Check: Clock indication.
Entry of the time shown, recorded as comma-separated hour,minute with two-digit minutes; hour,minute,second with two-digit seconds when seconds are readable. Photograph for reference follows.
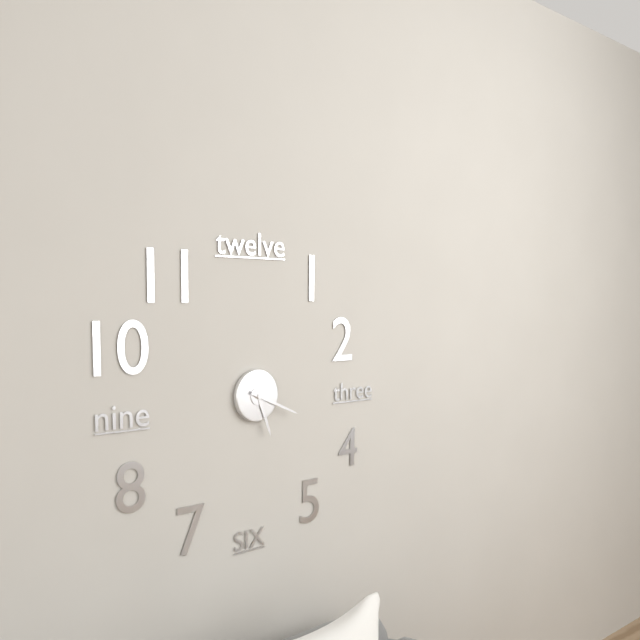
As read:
5,19
